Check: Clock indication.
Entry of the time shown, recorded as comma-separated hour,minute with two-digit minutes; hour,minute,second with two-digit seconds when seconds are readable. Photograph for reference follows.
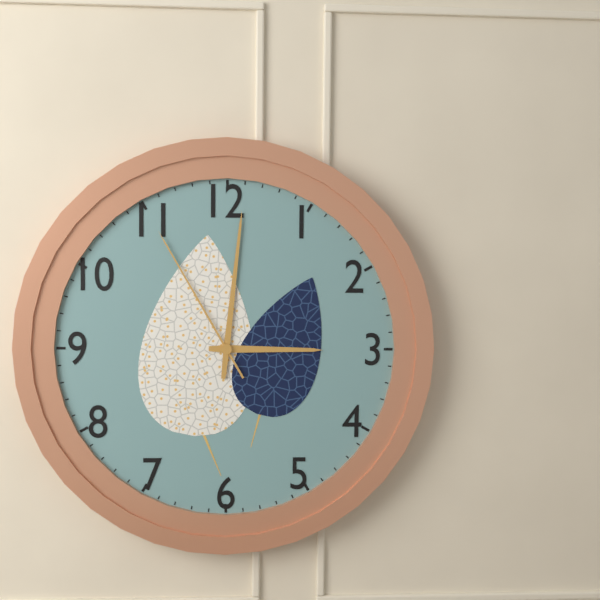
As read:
3,01,55
